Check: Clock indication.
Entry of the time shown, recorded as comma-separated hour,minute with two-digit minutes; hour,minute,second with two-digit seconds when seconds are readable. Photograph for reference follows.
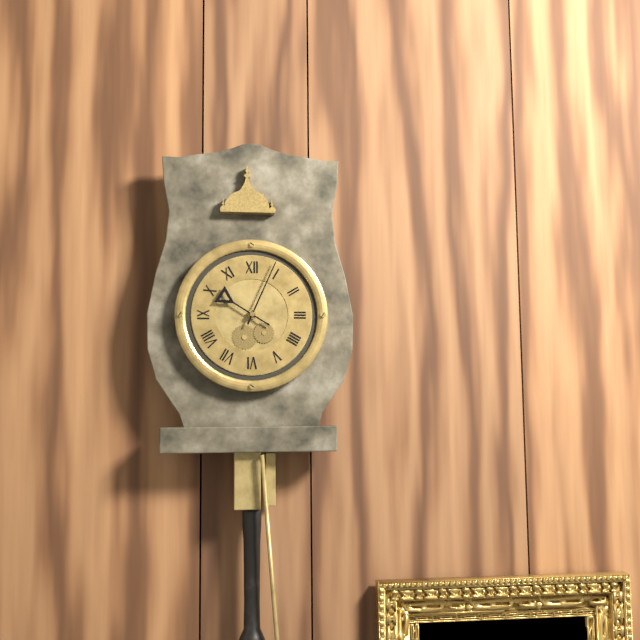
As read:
10,04
